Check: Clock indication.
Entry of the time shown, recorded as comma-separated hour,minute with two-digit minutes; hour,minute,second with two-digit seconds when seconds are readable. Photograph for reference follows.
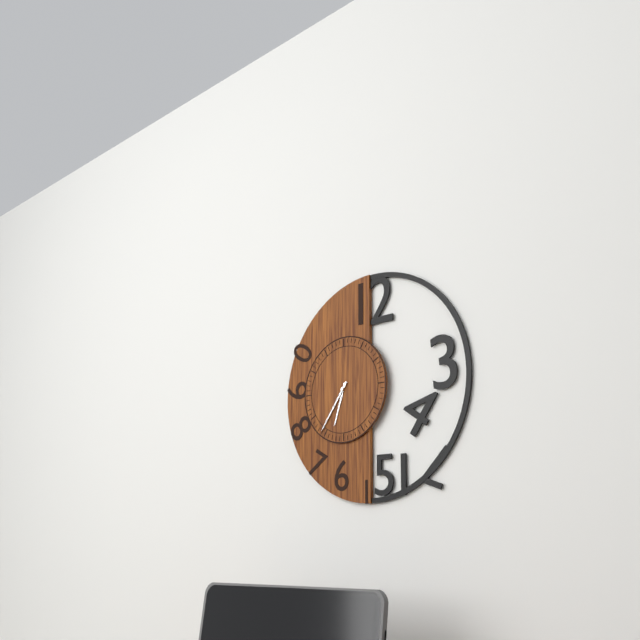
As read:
6,36
